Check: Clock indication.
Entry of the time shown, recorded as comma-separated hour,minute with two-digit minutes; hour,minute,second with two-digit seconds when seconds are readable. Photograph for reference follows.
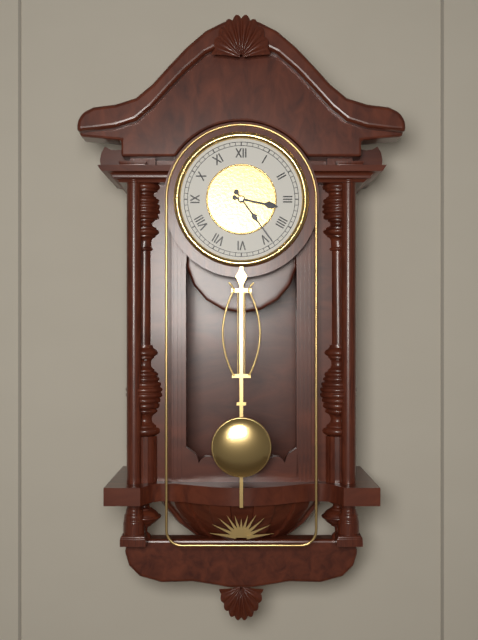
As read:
3,24
